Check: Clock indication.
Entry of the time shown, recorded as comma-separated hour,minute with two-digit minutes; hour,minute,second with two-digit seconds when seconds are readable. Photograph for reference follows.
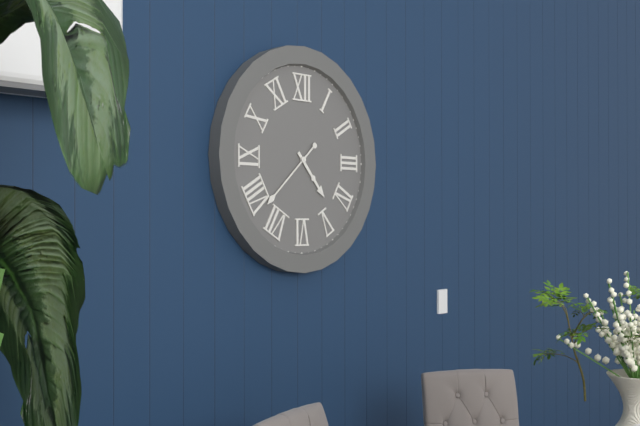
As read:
4,38
